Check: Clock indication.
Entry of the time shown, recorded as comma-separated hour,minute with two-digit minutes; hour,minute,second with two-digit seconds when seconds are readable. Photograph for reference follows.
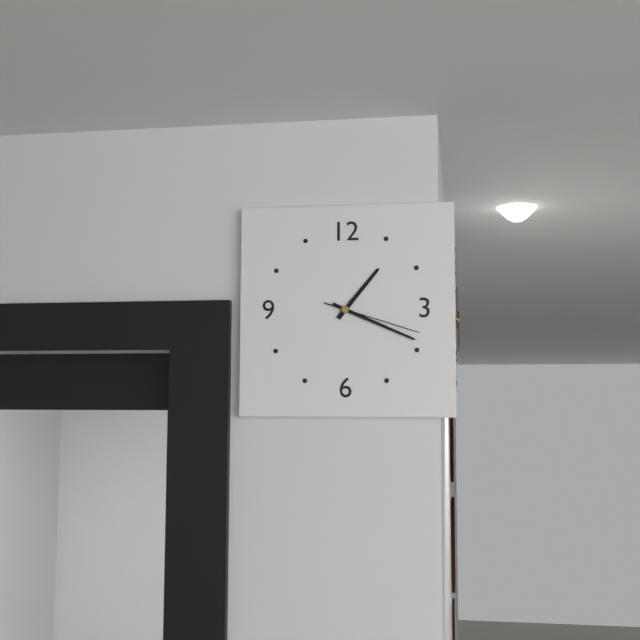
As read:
1,19,18
